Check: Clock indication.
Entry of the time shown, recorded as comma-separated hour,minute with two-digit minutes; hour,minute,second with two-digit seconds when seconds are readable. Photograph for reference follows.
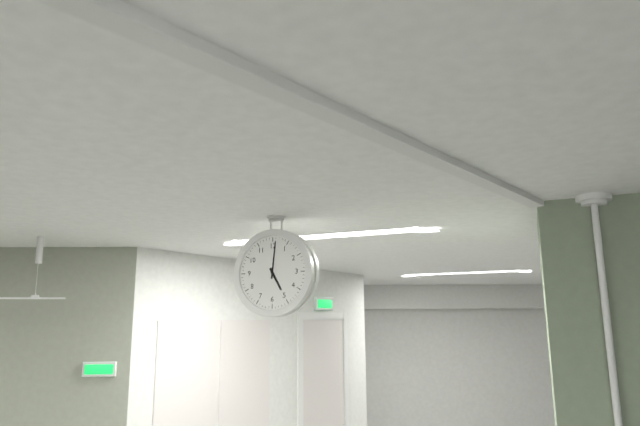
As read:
5,01
